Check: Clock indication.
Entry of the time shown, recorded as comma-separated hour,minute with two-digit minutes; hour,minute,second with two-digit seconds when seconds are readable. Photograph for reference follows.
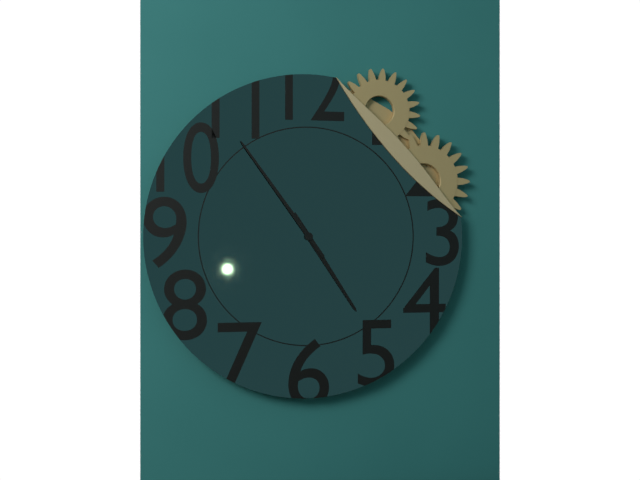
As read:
4,54
